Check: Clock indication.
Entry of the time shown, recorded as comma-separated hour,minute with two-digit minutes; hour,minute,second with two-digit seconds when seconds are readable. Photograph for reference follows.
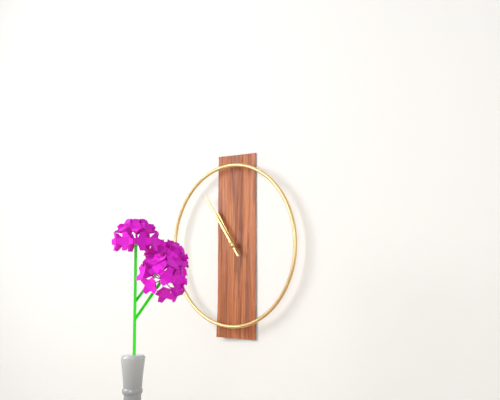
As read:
10,54
